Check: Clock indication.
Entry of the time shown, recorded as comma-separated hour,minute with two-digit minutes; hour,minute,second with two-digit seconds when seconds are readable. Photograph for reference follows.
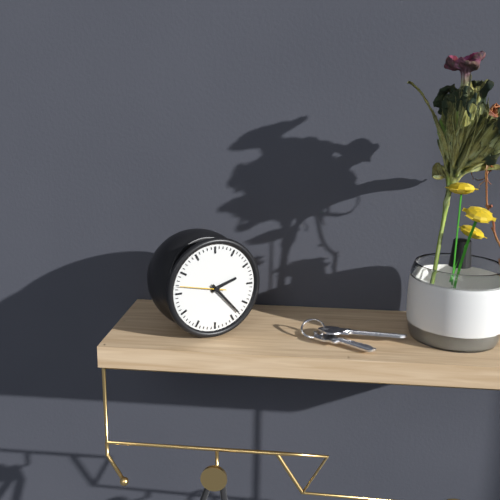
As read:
2,23
